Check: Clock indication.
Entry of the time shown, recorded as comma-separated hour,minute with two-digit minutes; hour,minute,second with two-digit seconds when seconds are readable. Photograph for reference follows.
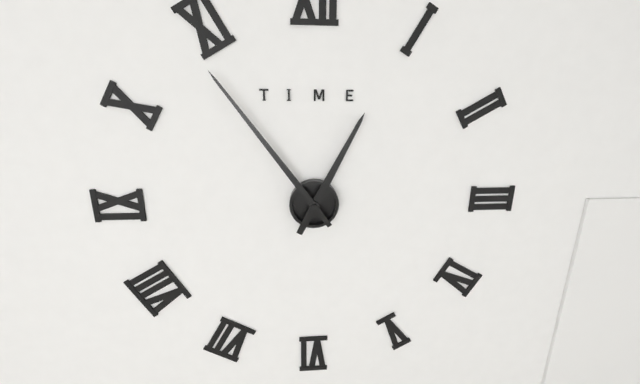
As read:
12,54
